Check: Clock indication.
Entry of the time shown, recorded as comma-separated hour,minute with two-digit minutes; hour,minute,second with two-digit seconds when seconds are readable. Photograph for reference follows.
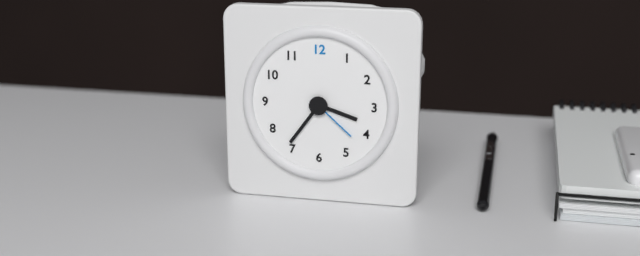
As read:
3,36,22
